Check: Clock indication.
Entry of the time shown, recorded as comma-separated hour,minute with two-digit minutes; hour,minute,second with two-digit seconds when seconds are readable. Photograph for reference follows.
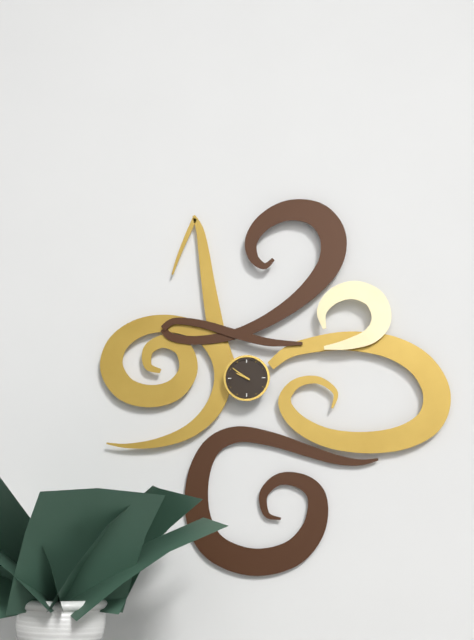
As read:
9,51
